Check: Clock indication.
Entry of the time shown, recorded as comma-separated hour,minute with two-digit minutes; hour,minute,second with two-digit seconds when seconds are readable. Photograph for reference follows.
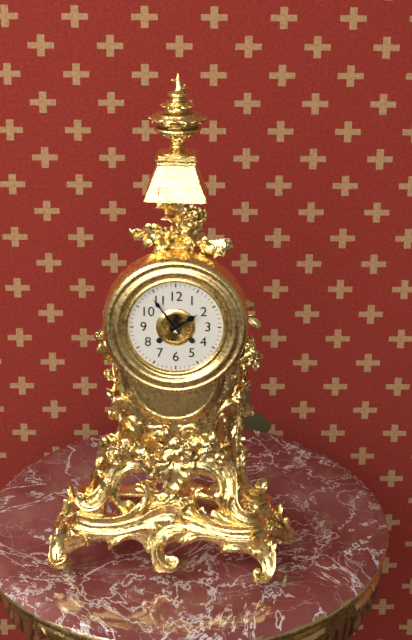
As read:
1,54
